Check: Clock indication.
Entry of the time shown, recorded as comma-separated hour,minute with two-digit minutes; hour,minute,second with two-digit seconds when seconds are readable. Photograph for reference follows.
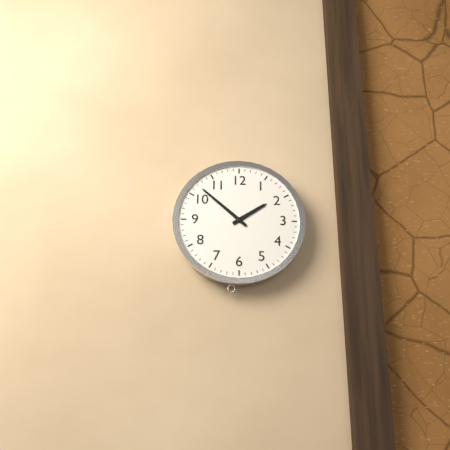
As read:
1,52
